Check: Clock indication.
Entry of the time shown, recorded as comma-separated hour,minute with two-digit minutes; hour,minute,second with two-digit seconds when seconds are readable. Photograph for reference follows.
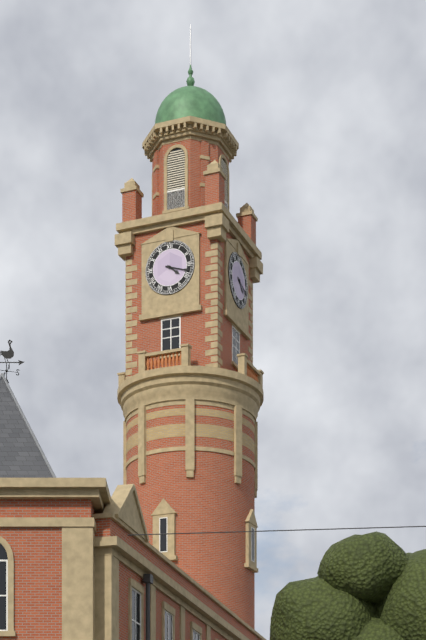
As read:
4,18
